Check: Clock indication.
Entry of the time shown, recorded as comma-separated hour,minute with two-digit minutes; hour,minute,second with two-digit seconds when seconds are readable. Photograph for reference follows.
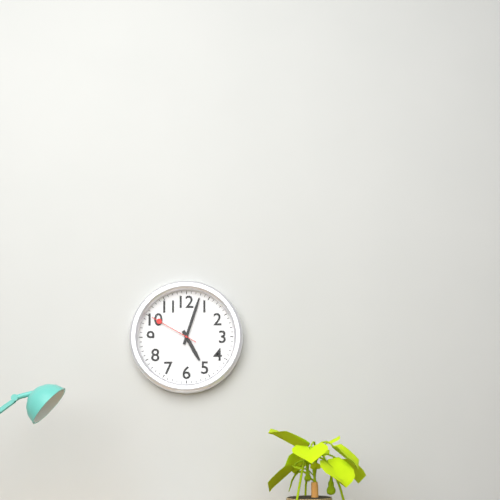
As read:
5,03,50
